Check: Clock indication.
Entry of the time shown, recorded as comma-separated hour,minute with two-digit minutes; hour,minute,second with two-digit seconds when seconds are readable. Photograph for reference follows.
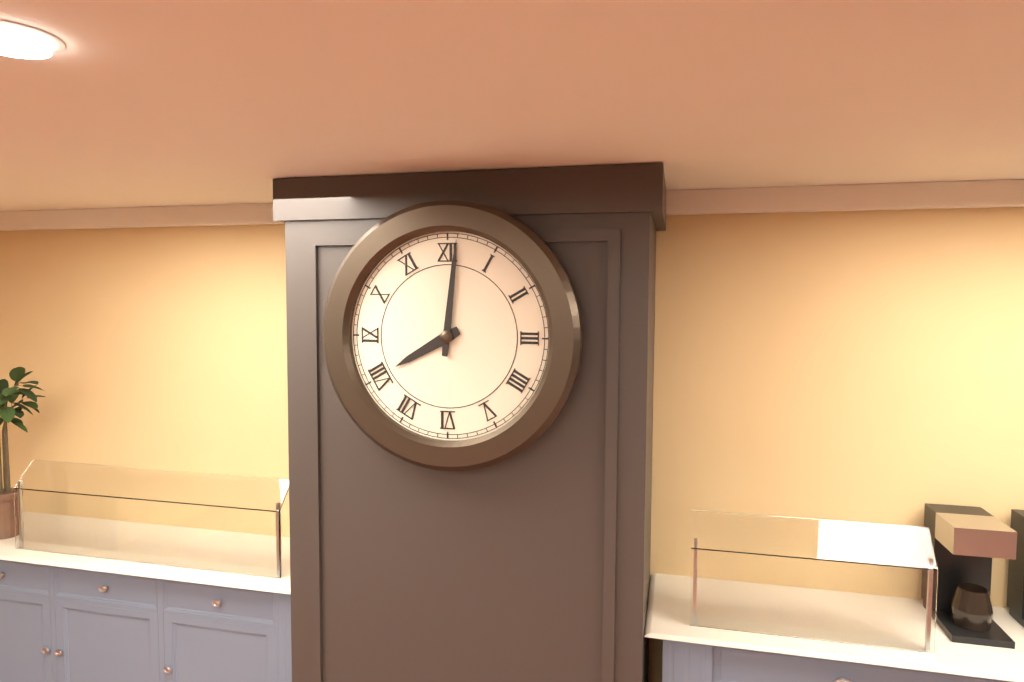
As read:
8,01
